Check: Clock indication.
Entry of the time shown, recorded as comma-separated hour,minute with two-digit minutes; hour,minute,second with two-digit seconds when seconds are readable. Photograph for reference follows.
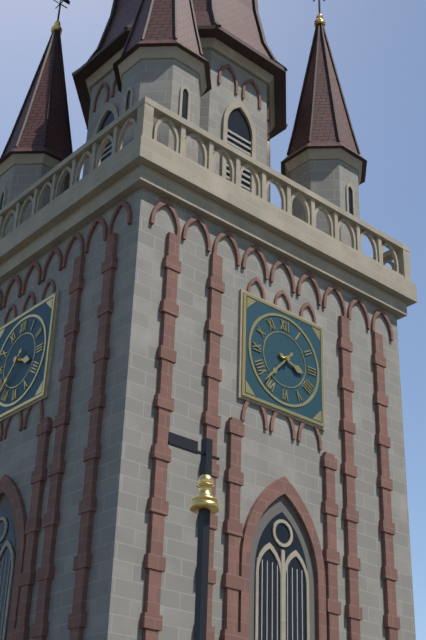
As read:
3,37
